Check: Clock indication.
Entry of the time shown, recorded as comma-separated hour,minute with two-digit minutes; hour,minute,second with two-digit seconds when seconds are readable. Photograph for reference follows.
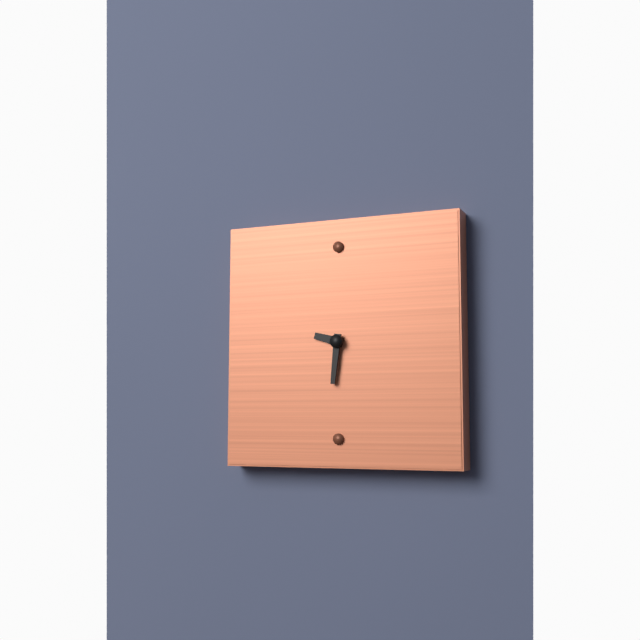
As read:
9,31
